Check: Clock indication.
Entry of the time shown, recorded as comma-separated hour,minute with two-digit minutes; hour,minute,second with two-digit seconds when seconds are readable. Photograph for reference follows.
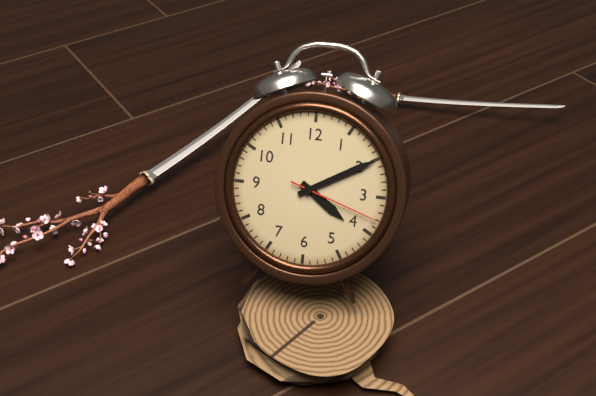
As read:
4,10,18
